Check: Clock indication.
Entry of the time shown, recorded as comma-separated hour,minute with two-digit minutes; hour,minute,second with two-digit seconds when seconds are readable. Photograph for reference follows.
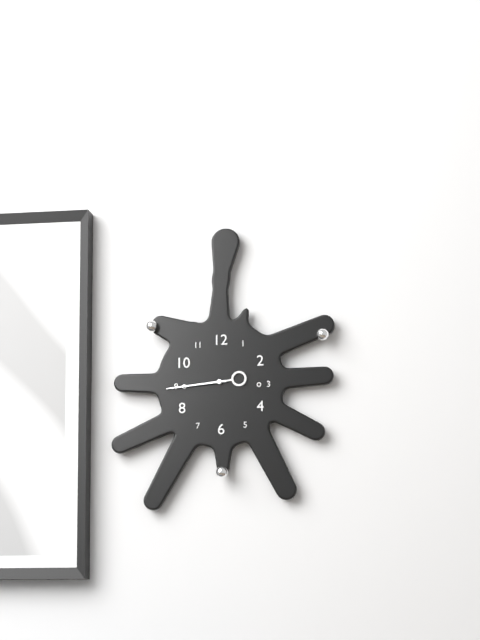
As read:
2,44
